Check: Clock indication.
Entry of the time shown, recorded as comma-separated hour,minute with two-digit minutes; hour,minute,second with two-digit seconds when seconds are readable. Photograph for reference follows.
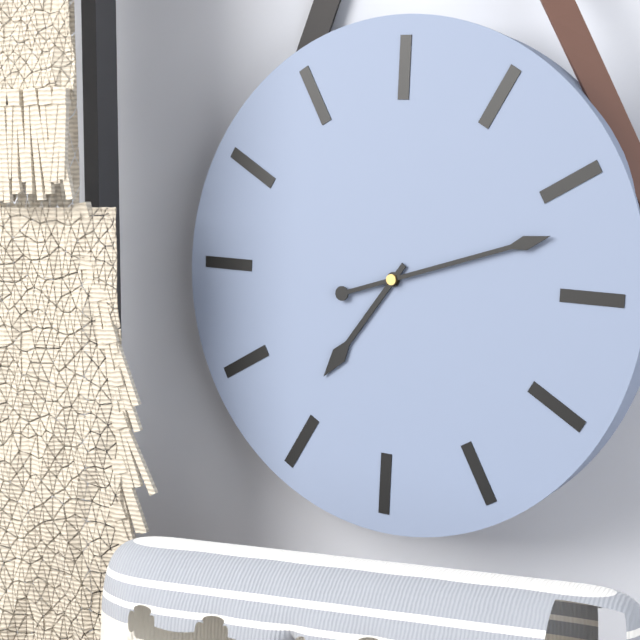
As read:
7,12
